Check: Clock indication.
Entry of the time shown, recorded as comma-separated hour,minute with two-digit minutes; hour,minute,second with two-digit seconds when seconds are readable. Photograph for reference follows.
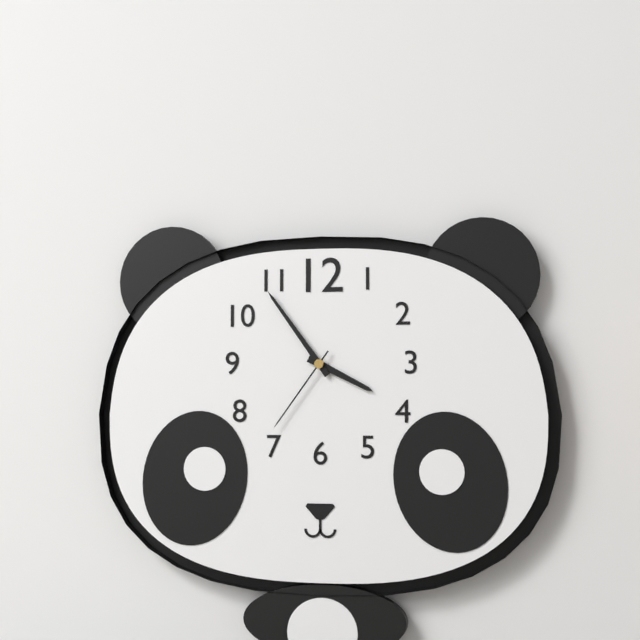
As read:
3,54,36
